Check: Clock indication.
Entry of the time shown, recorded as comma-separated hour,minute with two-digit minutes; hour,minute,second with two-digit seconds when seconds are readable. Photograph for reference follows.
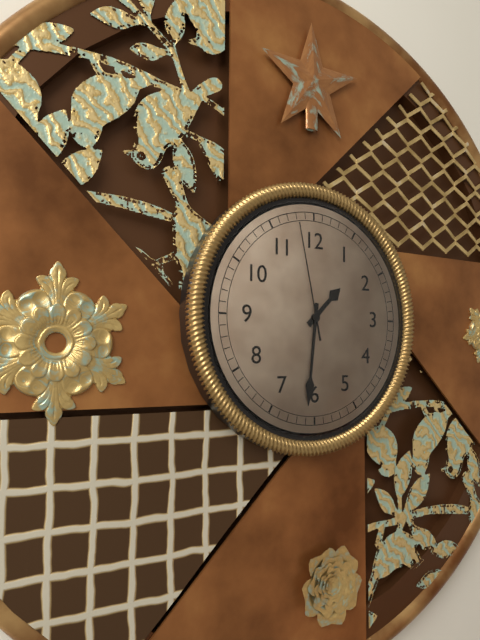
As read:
1,31,58
